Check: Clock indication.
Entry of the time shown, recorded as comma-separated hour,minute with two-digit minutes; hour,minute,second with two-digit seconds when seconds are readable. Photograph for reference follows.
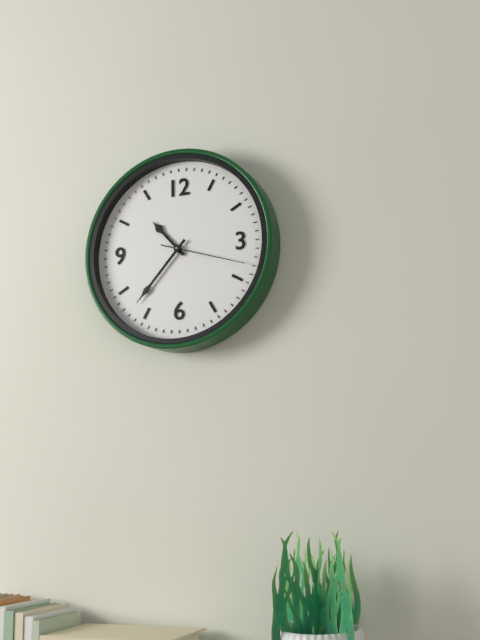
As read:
10,37,18
